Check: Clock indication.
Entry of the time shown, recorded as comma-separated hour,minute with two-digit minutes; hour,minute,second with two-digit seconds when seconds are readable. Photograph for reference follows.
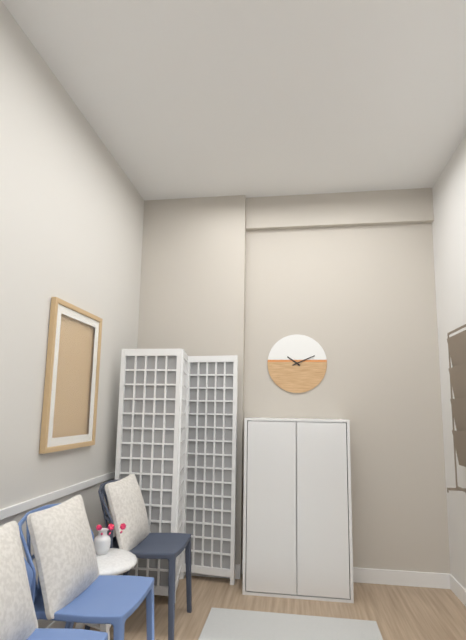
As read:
10,11
